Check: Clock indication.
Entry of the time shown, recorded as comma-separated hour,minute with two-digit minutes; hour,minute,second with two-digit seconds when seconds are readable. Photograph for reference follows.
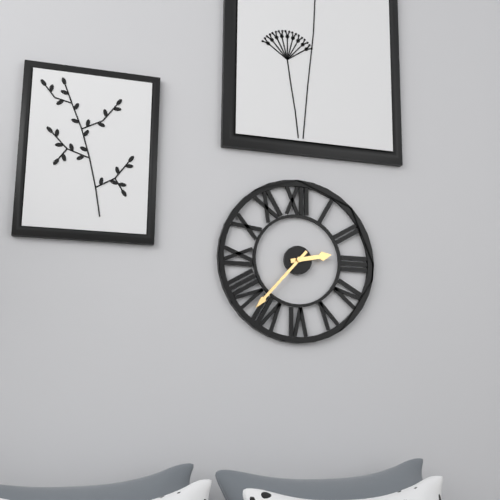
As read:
2,37
